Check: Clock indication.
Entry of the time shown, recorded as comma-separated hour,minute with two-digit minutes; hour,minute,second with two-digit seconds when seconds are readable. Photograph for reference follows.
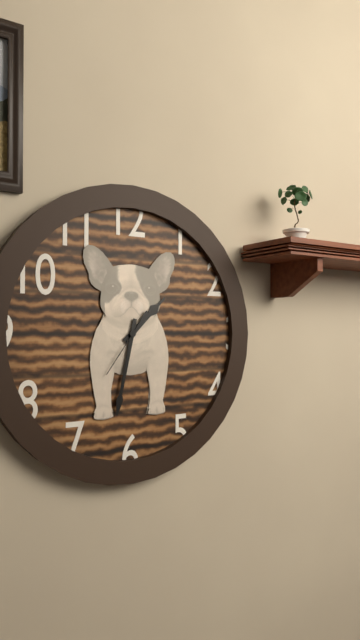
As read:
1,32,36
